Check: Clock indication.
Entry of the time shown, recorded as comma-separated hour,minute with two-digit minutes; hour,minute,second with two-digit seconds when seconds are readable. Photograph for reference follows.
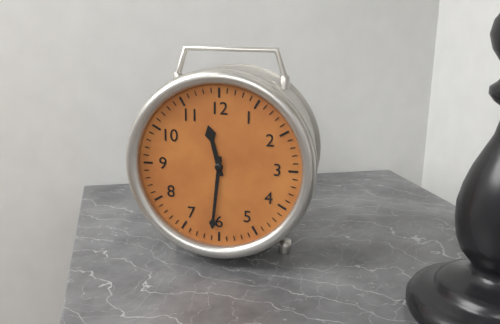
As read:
11,31
